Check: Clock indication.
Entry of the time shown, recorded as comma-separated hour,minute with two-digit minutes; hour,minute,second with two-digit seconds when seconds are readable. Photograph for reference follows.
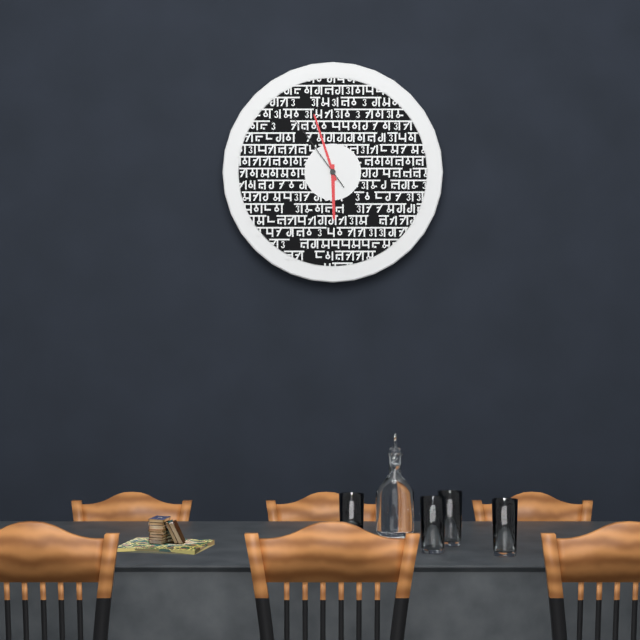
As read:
5,57,54
